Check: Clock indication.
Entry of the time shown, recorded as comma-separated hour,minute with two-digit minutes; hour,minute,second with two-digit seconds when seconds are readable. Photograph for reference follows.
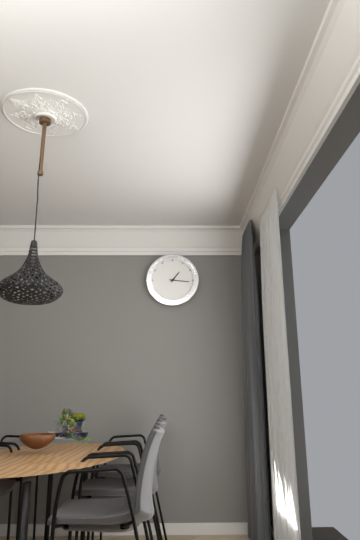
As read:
1,16
